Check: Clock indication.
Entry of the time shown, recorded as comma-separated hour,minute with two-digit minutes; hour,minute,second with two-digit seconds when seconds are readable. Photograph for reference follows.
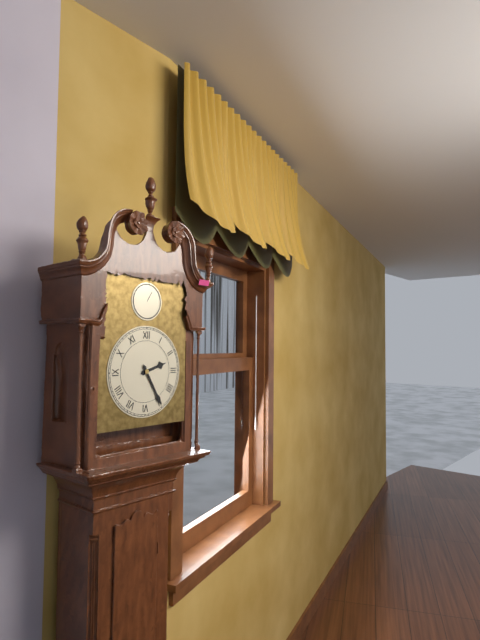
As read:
2,25
